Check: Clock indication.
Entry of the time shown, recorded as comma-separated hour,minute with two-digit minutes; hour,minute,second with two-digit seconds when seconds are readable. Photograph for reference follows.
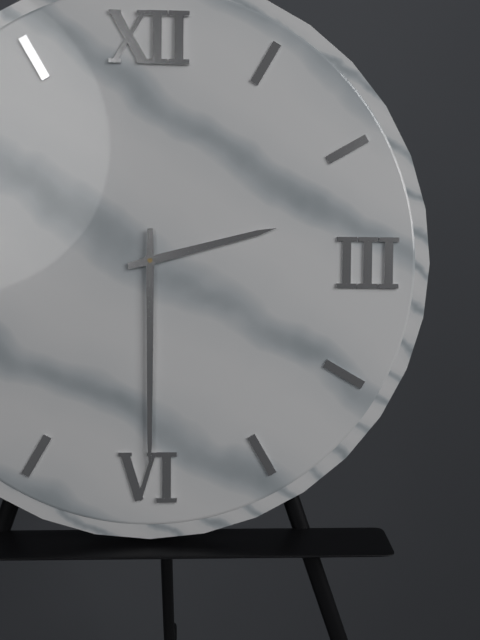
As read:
2,30
